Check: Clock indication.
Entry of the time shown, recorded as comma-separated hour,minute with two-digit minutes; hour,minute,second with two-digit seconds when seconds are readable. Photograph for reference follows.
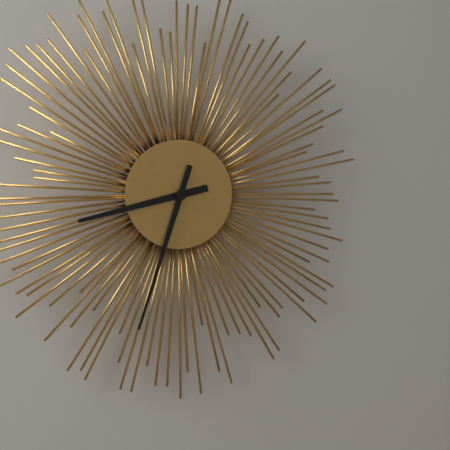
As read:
8,33
